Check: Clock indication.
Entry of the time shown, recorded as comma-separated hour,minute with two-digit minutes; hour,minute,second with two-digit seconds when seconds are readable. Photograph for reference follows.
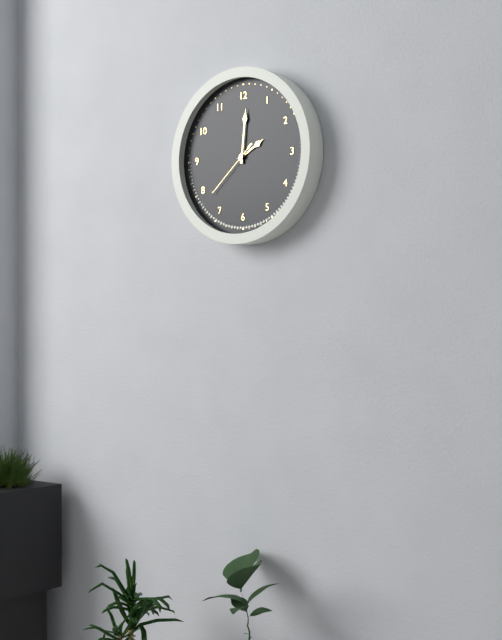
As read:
2,01,38
